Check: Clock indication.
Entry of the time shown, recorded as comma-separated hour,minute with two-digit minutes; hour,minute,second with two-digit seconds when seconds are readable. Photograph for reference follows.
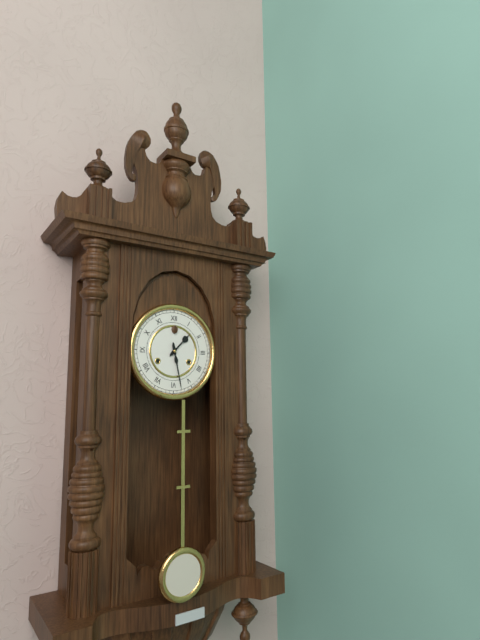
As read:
1,28
